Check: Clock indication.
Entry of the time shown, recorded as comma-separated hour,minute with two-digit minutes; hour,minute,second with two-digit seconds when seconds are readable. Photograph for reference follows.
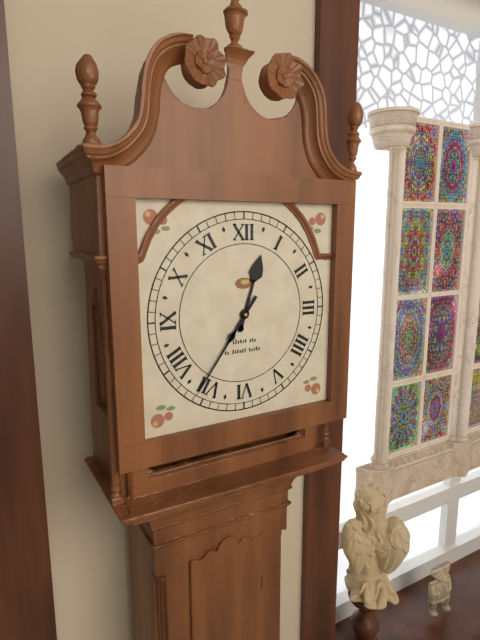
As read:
12,36
